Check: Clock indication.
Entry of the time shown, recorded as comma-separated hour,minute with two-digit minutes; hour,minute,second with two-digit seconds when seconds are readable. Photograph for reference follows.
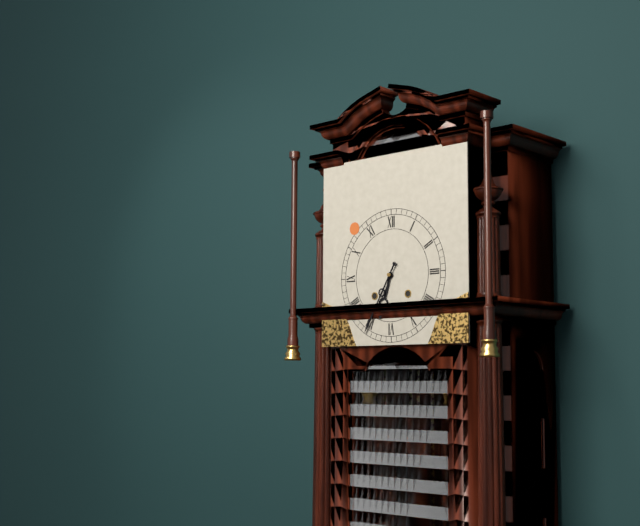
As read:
6,35
